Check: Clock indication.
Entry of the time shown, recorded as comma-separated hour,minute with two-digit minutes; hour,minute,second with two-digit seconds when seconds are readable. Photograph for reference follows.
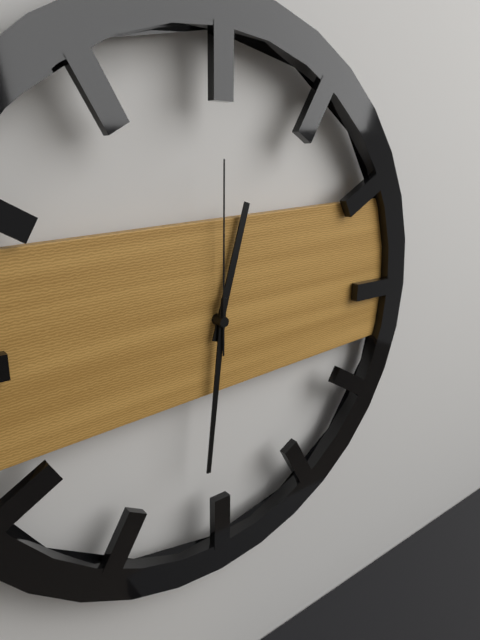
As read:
12,31,00
